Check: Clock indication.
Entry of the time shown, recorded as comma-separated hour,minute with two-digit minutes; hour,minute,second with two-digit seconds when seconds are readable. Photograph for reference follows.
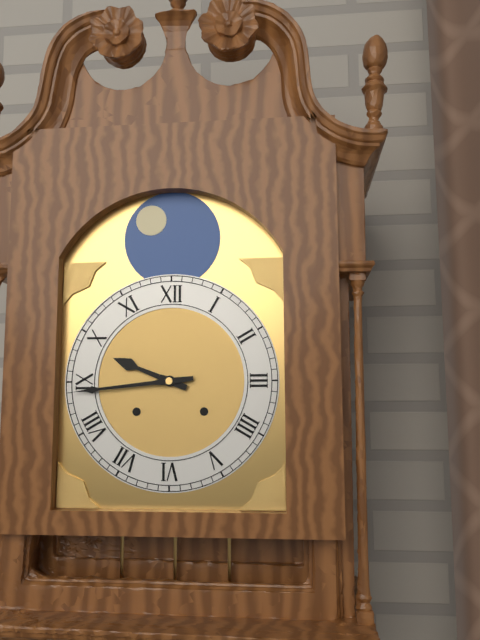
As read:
9,44
